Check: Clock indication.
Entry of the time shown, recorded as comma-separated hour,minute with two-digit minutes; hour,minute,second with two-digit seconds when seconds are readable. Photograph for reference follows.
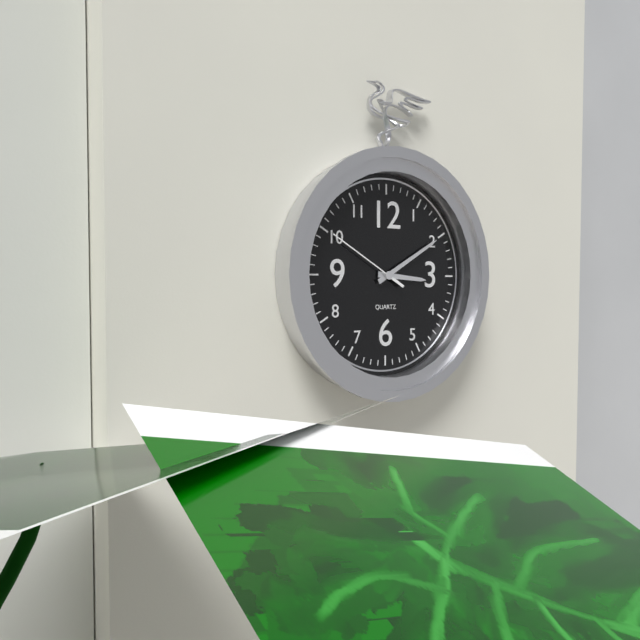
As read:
3,10,50
